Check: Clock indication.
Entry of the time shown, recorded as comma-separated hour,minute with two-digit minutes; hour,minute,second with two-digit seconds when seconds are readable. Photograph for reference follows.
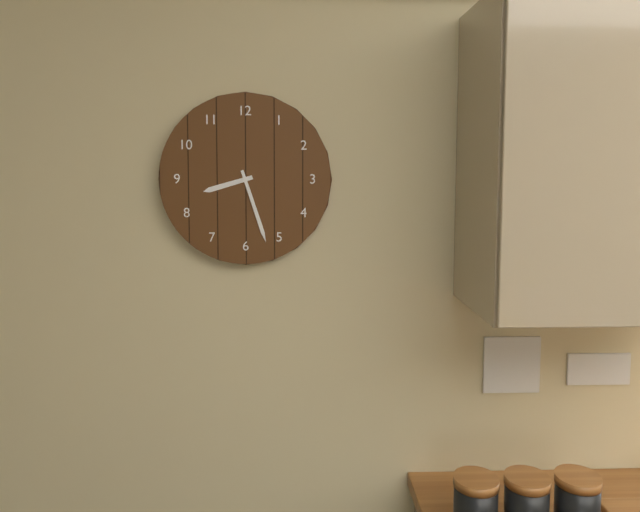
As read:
8,27
